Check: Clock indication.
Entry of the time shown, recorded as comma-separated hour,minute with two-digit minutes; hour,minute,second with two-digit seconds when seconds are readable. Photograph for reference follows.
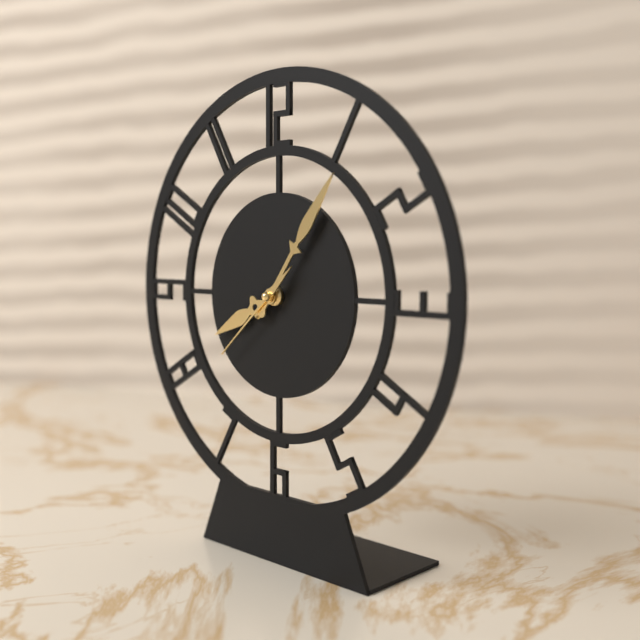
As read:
8,06,38
